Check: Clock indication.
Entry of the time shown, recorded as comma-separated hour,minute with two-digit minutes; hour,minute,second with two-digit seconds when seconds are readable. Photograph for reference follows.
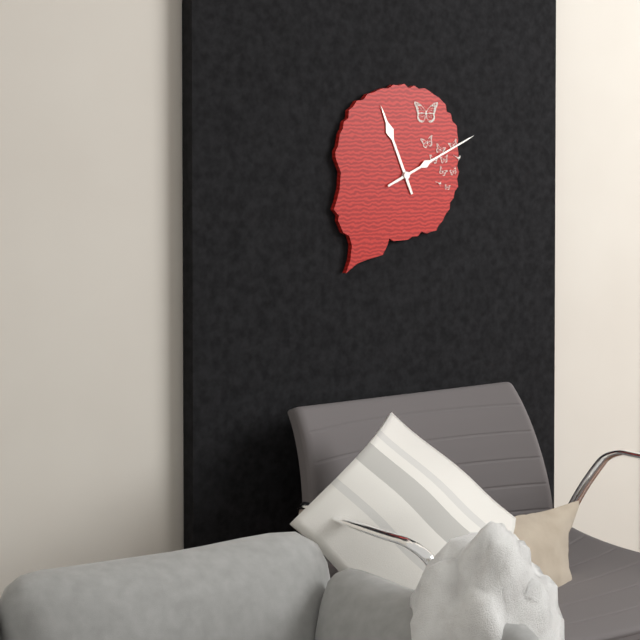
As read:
11,11
